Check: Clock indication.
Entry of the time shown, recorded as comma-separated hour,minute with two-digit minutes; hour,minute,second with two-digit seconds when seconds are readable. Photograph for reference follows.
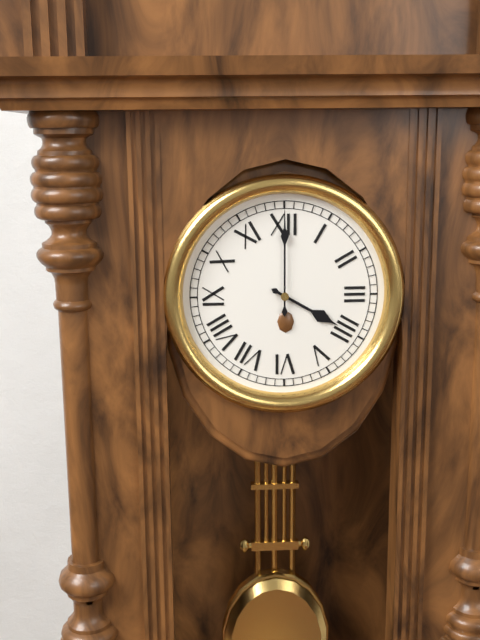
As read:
4,00
